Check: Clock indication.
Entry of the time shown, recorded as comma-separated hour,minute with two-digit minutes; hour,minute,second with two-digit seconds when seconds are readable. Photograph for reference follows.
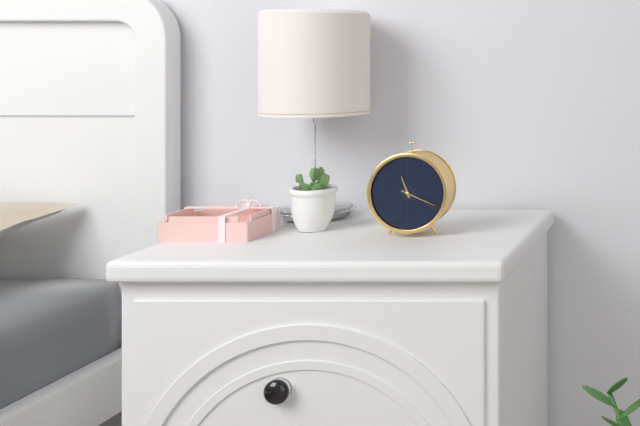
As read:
11,19
